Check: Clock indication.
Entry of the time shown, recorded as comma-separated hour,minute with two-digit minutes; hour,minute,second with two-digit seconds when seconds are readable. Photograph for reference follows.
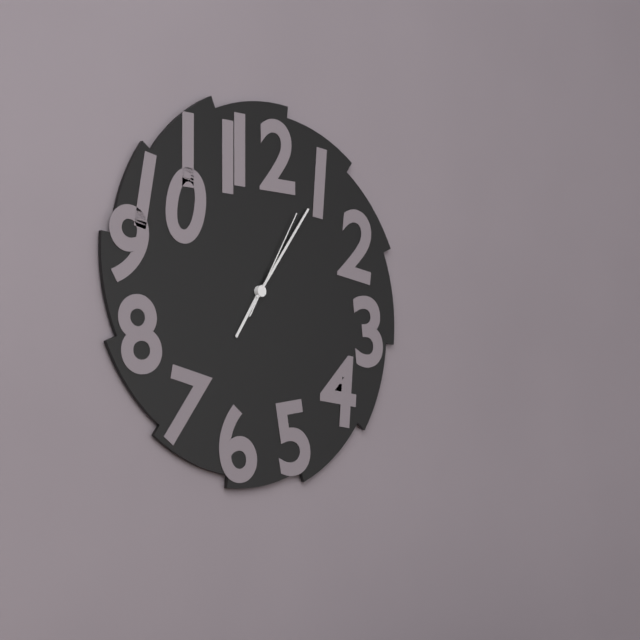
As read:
7,06,05
